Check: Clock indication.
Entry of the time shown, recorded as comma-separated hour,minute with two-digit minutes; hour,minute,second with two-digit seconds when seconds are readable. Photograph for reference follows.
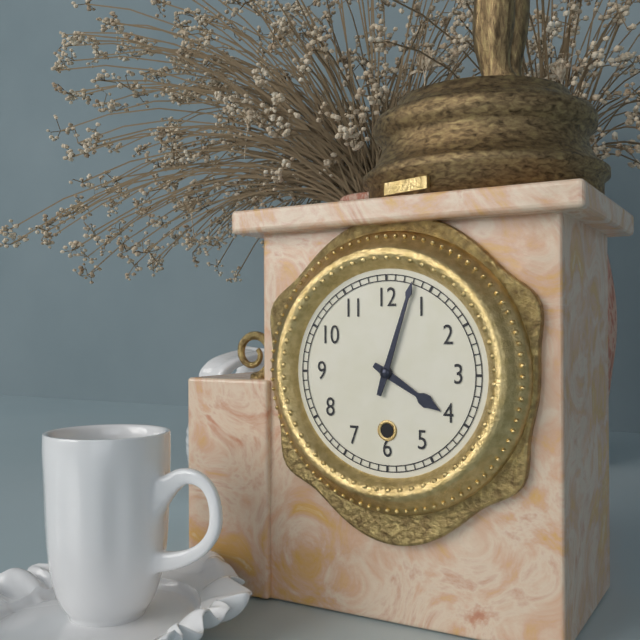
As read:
4,03
